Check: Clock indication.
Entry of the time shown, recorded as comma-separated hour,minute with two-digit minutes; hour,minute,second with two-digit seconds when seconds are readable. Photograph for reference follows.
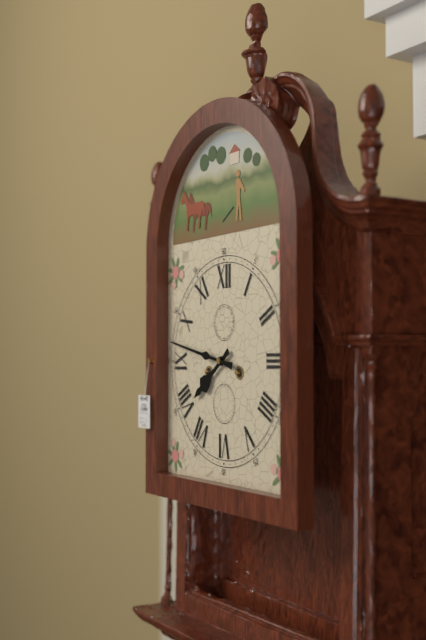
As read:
7,47
